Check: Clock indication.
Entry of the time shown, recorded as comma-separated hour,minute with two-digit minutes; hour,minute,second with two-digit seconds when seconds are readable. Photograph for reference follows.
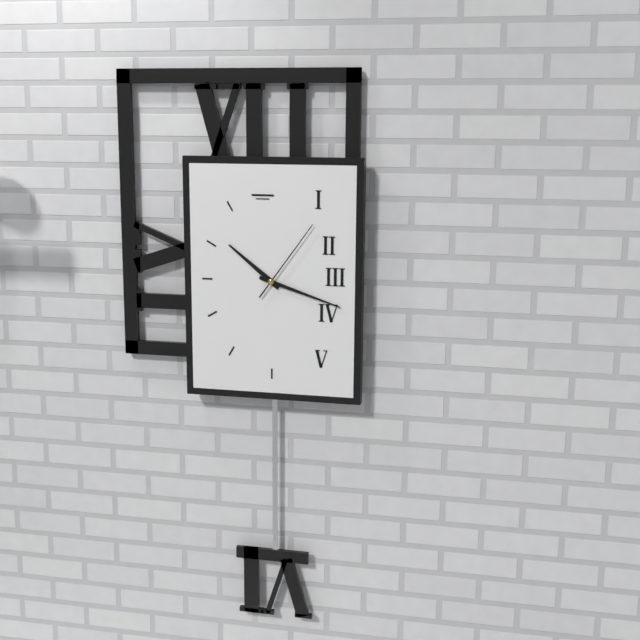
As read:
10,18,06
